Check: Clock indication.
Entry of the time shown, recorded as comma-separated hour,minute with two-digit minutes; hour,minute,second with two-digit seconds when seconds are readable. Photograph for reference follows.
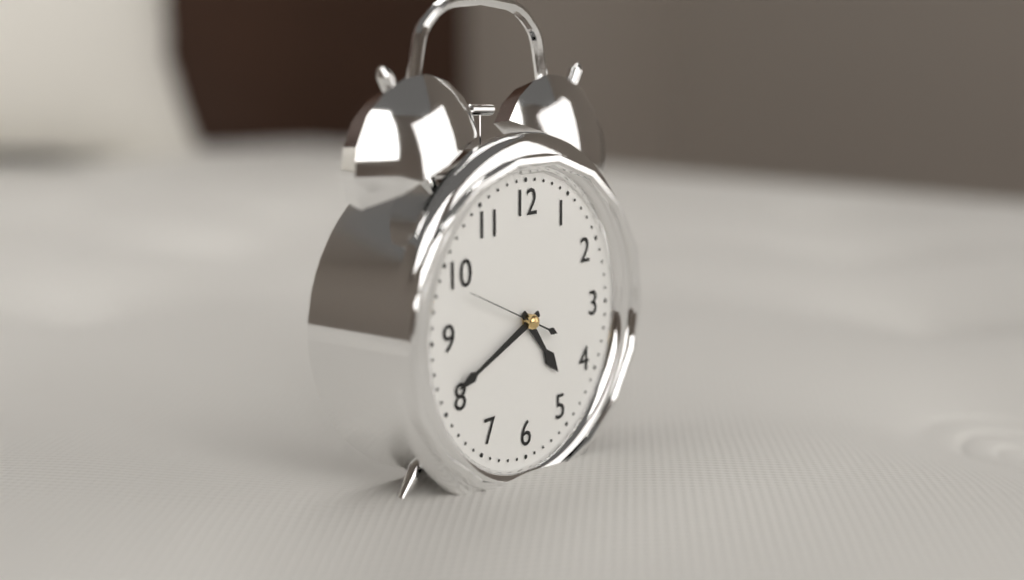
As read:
4,41,49
